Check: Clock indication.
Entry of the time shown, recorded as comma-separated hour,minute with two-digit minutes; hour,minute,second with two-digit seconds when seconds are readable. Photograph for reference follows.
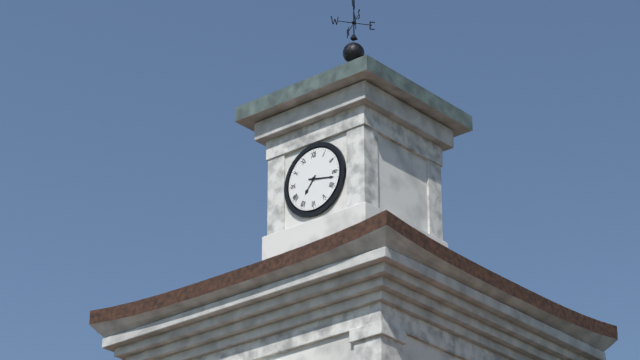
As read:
7,17
